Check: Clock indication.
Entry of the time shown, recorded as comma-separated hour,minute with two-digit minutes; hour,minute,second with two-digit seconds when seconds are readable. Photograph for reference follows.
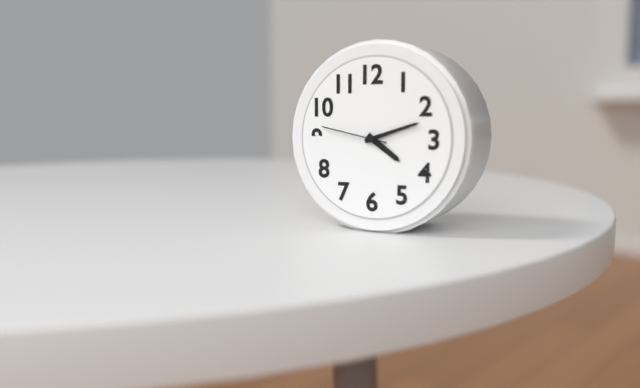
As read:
4,12,47
